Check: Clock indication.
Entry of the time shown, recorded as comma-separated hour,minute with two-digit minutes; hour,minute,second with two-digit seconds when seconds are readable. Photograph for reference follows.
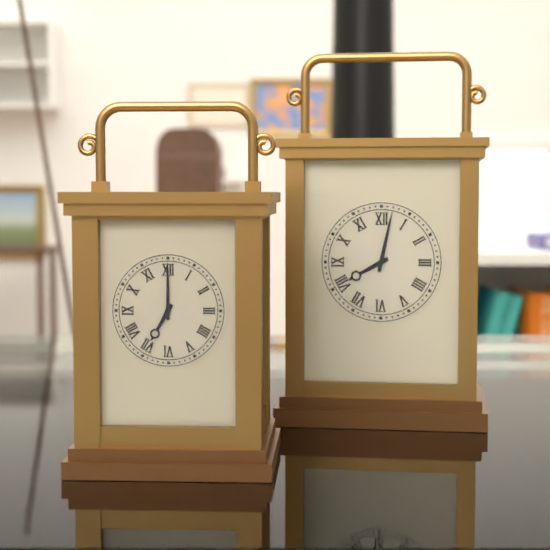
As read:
8,02
